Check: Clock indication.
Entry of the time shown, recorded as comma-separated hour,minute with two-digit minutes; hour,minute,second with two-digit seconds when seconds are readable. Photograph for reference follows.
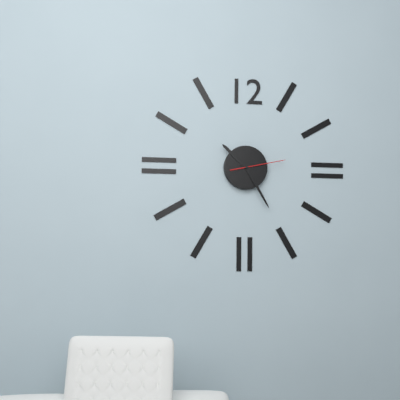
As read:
10,25,13
